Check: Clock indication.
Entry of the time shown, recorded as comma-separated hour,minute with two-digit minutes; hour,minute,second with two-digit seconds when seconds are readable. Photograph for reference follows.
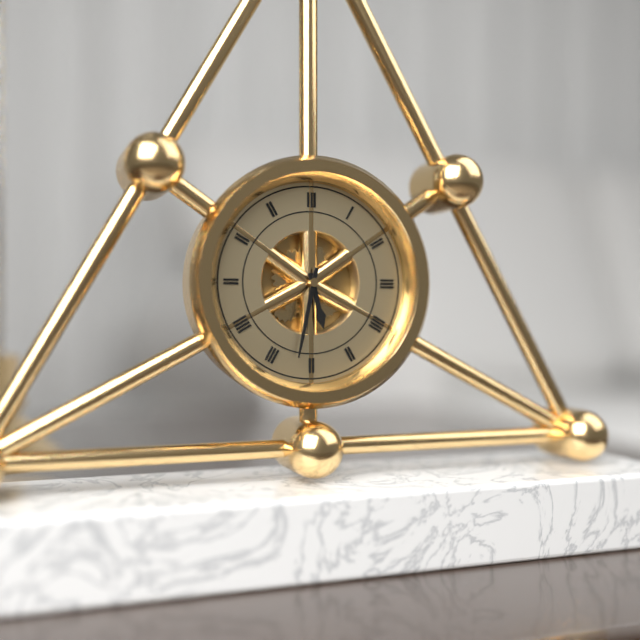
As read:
5,32
